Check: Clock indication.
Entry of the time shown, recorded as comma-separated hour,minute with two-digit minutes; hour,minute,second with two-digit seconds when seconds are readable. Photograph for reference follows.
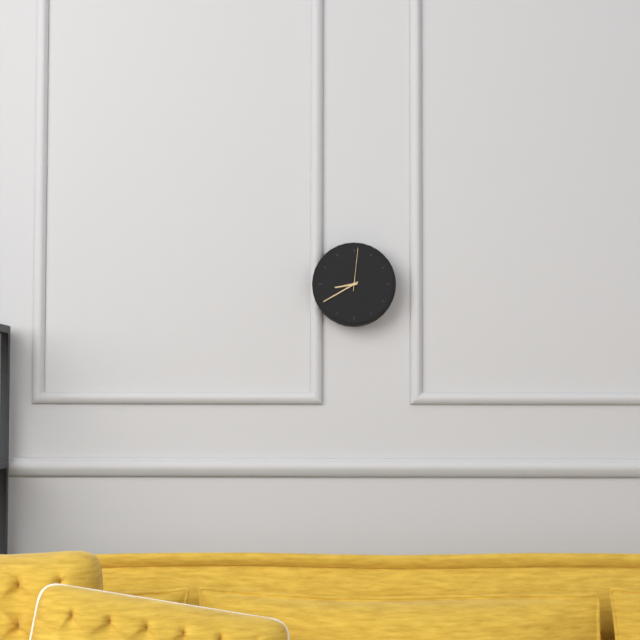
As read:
8,40
